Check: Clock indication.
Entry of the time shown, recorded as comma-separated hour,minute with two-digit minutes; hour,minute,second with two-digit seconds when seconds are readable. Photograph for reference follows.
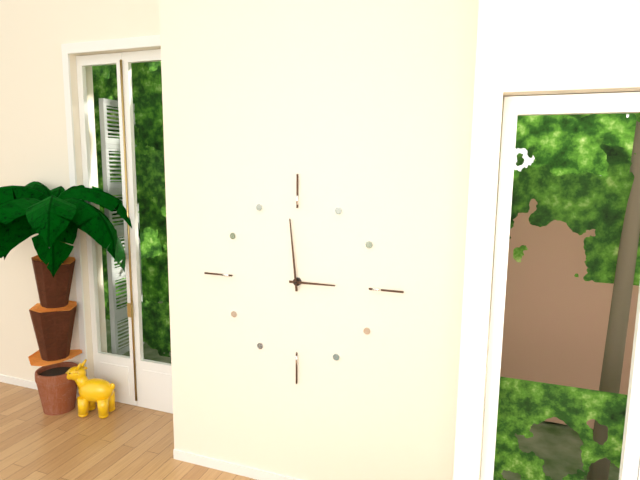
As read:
2,59
